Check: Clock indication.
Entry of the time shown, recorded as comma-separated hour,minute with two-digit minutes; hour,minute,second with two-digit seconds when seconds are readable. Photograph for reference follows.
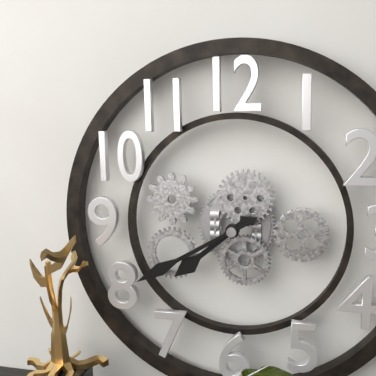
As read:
7,40
